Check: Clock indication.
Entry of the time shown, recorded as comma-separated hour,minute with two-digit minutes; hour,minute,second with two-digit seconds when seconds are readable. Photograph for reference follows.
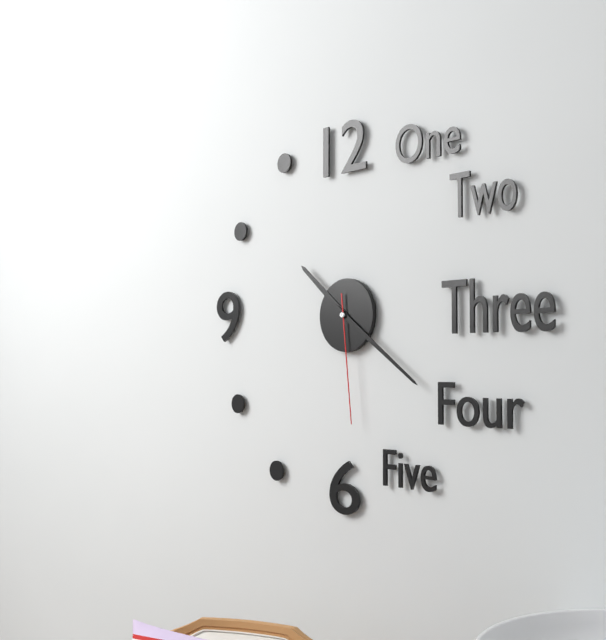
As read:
10,21,29
